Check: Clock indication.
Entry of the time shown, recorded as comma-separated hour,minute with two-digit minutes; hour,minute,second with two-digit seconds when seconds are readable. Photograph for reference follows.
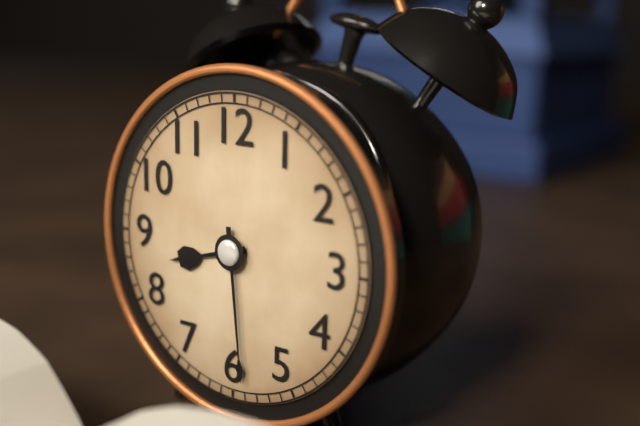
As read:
8,29
